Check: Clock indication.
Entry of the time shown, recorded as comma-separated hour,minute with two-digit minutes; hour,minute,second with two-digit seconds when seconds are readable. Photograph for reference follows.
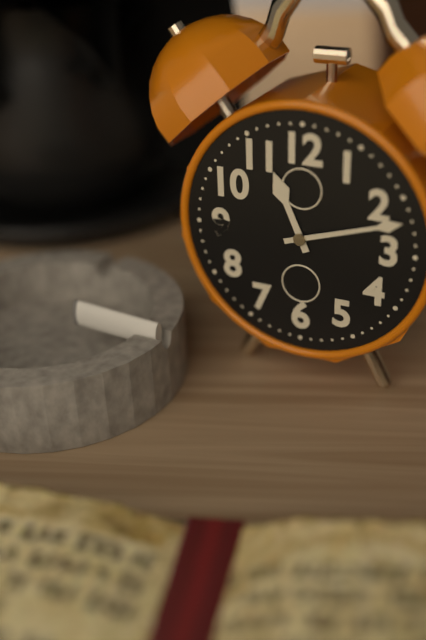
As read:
11,12
